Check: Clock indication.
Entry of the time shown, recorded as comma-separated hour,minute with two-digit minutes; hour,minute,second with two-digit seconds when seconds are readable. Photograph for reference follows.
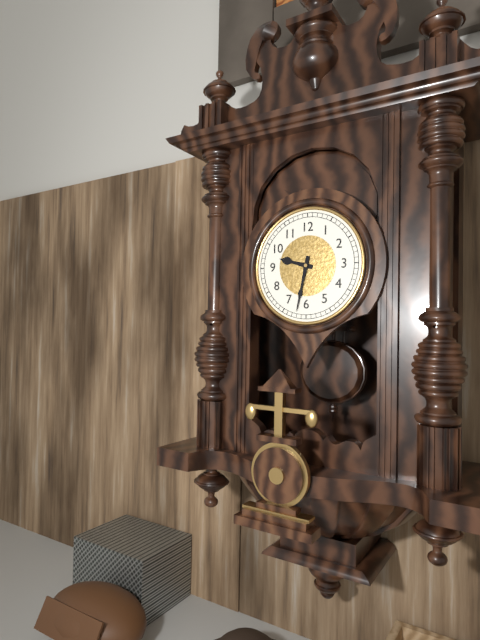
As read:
9,32
